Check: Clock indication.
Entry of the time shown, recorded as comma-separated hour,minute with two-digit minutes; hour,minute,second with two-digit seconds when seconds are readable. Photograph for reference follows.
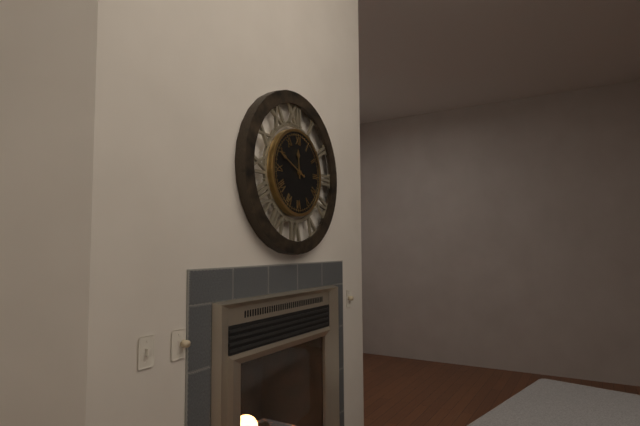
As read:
11,49
